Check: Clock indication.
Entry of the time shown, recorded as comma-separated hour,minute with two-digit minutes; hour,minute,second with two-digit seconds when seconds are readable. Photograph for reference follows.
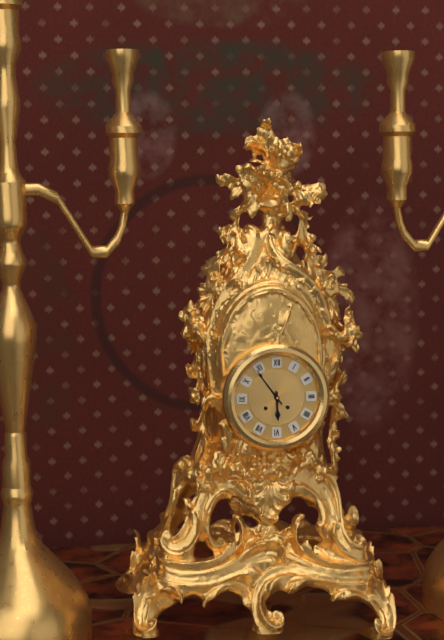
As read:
5,54
